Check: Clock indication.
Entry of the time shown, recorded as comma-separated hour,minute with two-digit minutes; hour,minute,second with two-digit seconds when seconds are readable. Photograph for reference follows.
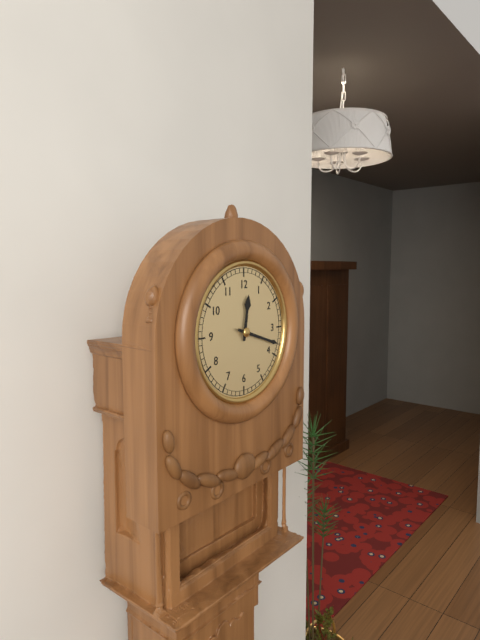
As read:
12,18
